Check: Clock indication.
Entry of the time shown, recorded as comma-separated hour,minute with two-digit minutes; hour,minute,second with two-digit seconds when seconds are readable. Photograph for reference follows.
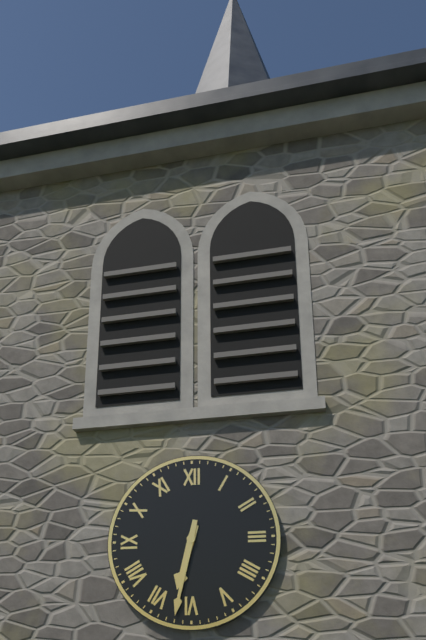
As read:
6,32
